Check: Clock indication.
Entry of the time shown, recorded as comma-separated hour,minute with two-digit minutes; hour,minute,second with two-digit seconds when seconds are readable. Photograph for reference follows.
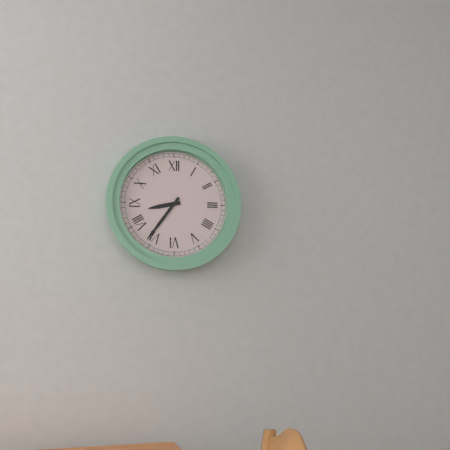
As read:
8,36
